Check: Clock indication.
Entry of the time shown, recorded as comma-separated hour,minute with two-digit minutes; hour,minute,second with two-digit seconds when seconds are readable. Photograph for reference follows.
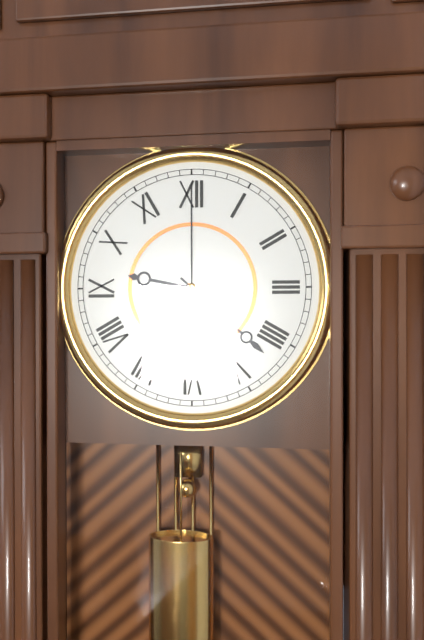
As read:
9,22,00
